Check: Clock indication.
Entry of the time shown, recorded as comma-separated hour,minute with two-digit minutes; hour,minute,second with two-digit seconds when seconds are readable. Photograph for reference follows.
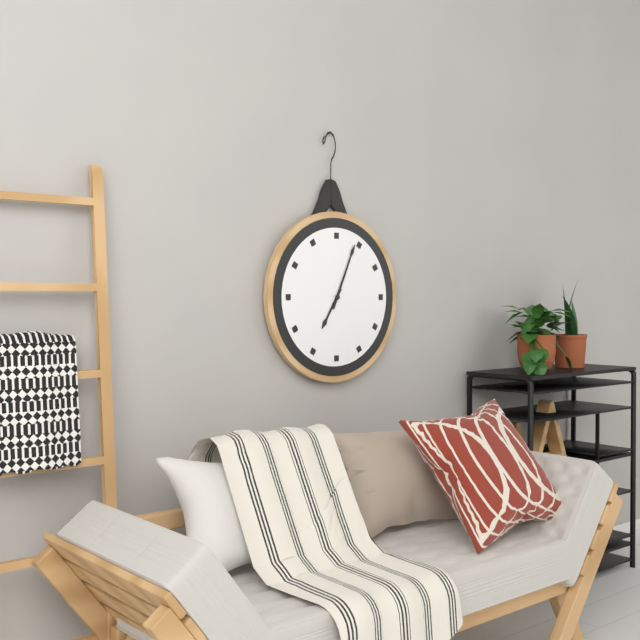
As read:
7,04
